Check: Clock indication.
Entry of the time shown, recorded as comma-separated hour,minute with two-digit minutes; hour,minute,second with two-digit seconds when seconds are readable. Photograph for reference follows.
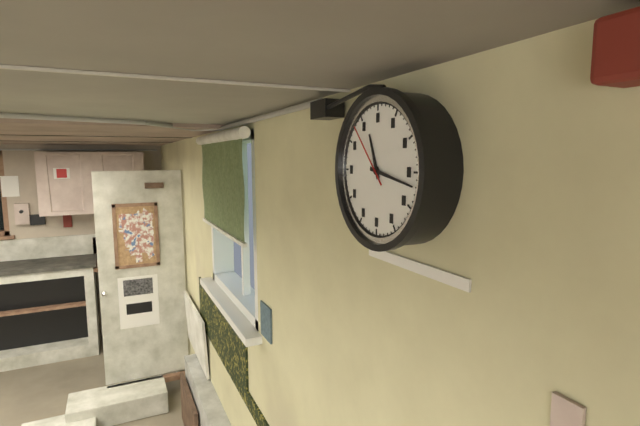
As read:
11,17,53
